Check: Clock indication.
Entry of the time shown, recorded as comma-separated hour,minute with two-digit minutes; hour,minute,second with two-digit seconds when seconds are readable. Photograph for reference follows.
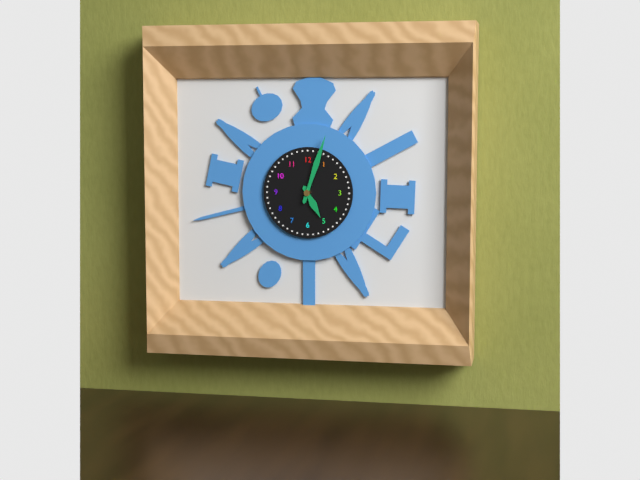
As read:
5,03
